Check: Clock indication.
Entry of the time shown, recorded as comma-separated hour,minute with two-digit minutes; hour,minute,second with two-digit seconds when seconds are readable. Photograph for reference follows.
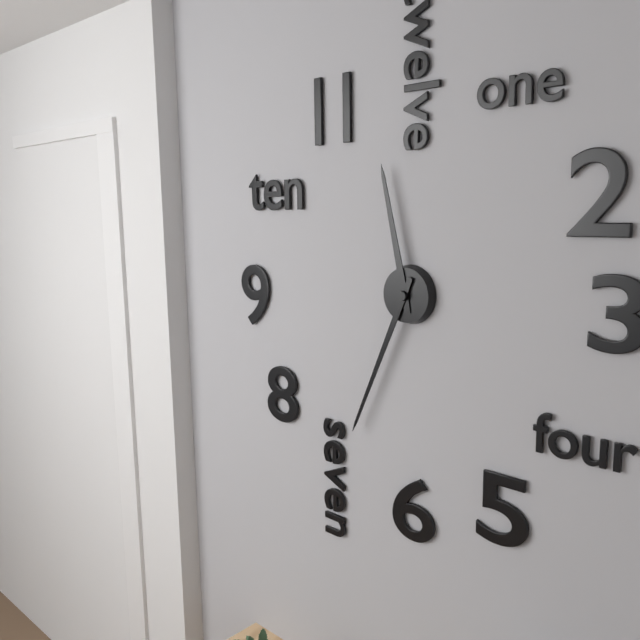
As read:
11,34
